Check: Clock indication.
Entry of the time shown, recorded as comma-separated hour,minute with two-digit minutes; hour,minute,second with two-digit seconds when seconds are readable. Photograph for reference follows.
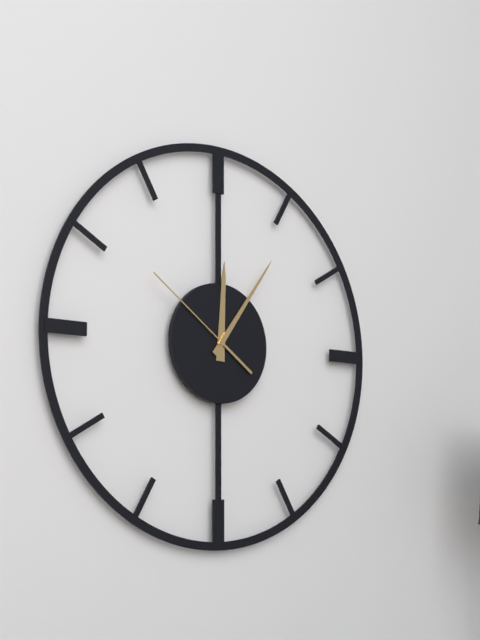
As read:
12,06,51
